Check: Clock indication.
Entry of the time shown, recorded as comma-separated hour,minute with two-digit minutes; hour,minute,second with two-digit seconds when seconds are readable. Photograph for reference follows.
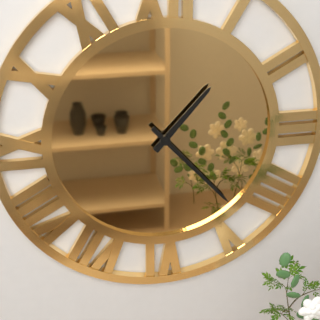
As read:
1,23
